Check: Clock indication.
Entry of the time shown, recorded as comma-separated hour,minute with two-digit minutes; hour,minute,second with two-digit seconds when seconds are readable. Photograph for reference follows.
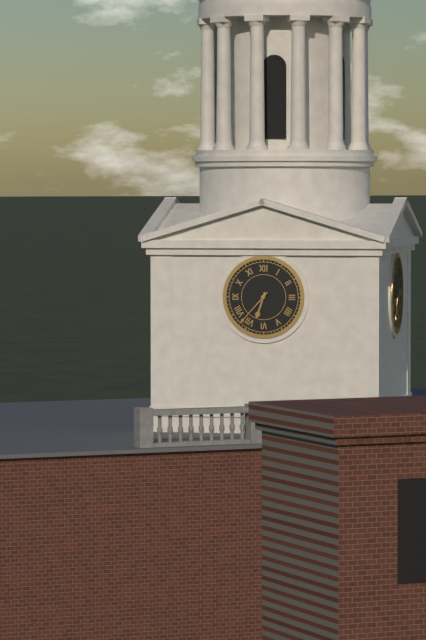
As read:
6,37
